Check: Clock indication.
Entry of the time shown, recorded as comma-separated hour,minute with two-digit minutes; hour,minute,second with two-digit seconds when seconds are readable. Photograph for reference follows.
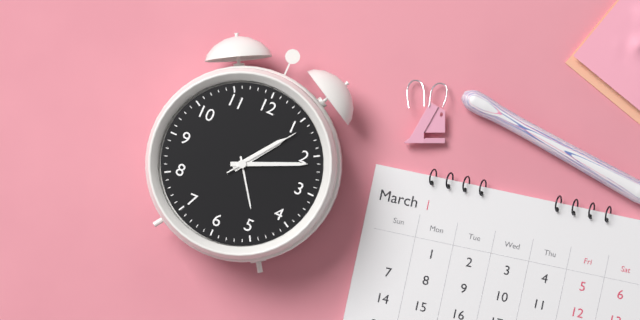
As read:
1,11,06
